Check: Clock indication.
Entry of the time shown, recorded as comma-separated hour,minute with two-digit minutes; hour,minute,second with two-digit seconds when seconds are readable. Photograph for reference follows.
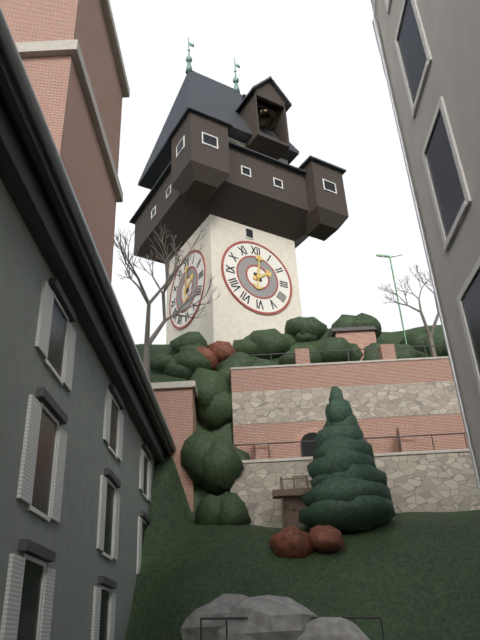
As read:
2,01
